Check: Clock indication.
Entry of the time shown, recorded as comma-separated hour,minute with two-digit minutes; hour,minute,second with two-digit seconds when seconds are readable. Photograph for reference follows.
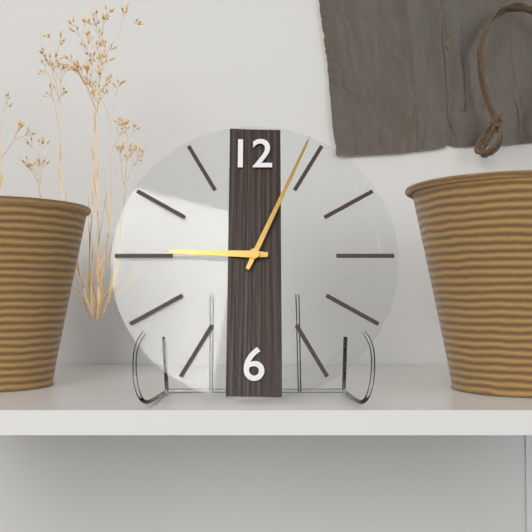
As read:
9,04
